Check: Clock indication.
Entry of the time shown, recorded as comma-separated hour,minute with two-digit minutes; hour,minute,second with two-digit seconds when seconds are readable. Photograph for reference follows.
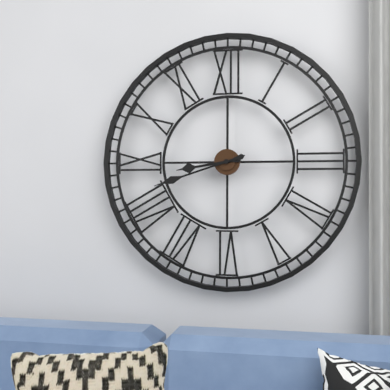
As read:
8,42
